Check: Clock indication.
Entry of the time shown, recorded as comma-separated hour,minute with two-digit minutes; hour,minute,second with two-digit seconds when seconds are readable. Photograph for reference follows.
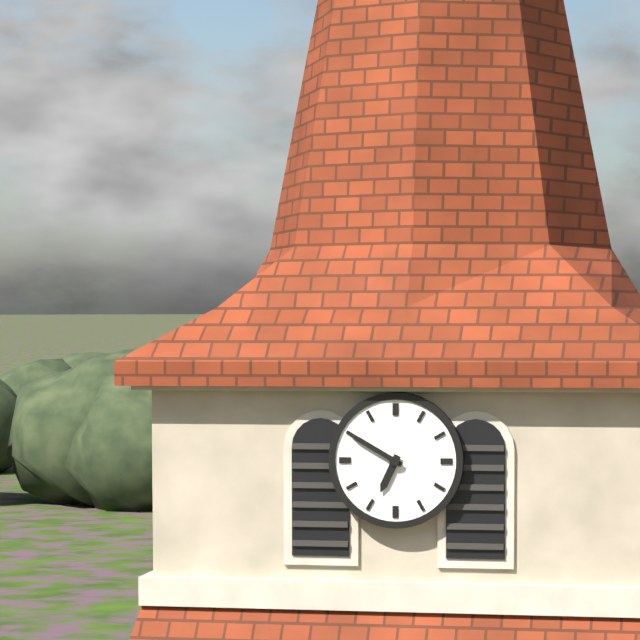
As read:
6,50
